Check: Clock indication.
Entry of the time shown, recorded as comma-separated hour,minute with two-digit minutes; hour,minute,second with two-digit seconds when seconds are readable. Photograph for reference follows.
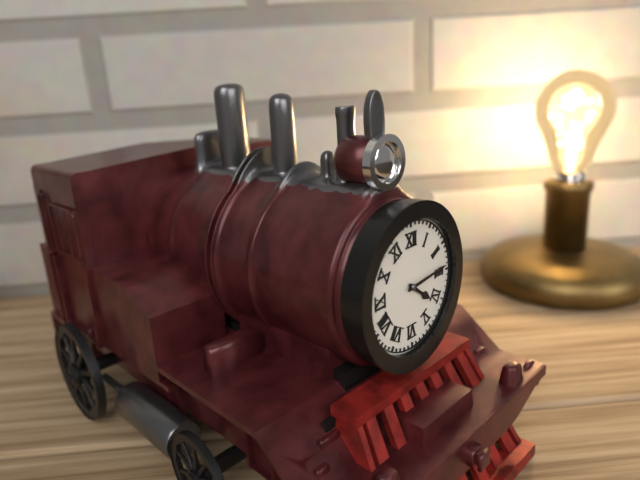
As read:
4,14
